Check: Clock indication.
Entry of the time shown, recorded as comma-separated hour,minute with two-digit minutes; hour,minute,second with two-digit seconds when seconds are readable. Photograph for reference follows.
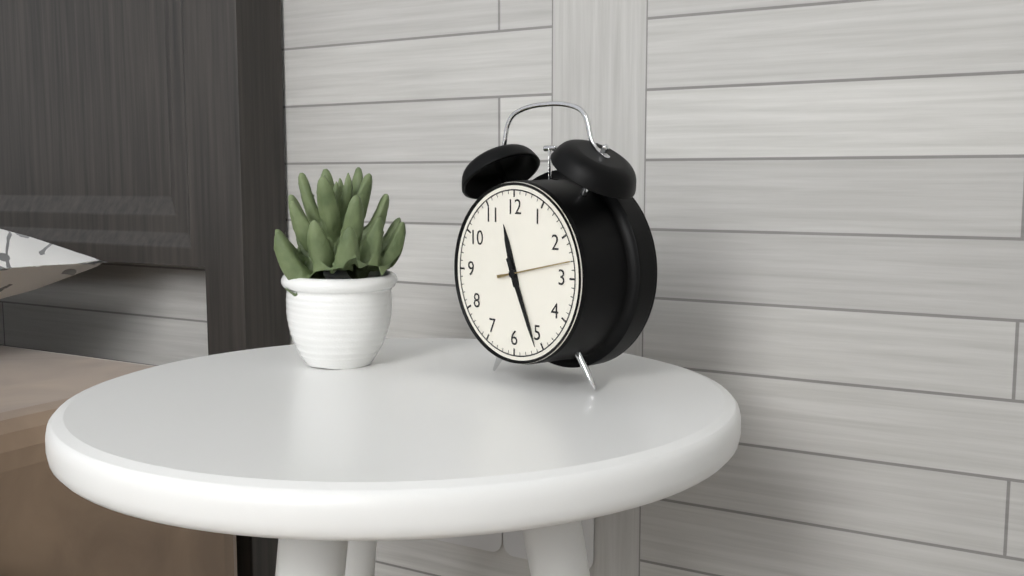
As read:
11,26,13
